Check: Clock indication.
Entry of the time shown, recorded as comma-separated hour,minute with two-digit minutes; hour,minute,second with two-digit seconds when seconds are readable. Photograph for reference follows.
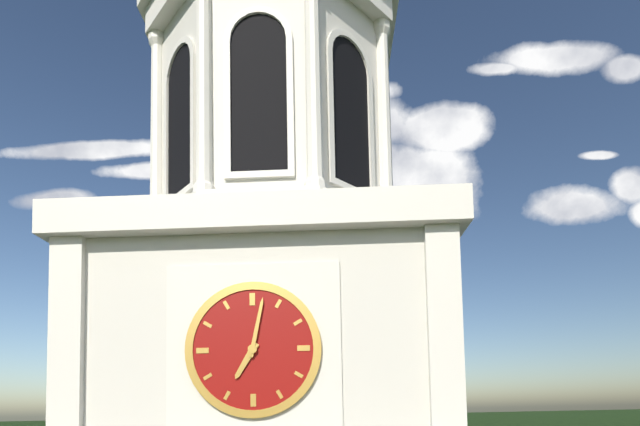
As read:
7,02
